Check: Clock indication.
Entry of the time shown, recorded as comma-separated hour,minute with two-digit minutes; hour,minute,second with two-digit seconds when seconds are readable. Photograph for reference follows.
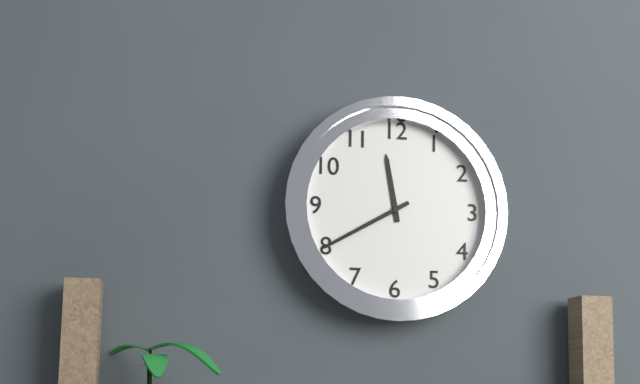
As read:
11,40
